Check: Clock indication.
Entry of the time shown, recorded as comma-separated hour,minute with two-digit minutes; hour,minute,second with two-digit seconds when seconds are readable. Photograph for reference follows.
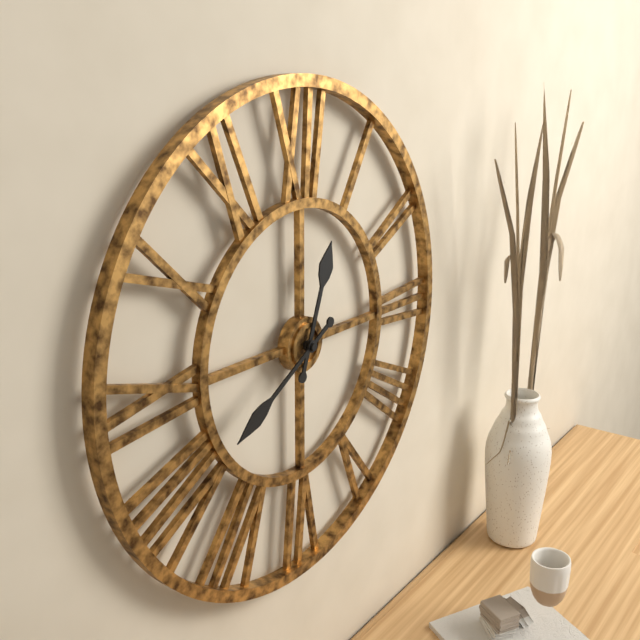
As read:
12,40
